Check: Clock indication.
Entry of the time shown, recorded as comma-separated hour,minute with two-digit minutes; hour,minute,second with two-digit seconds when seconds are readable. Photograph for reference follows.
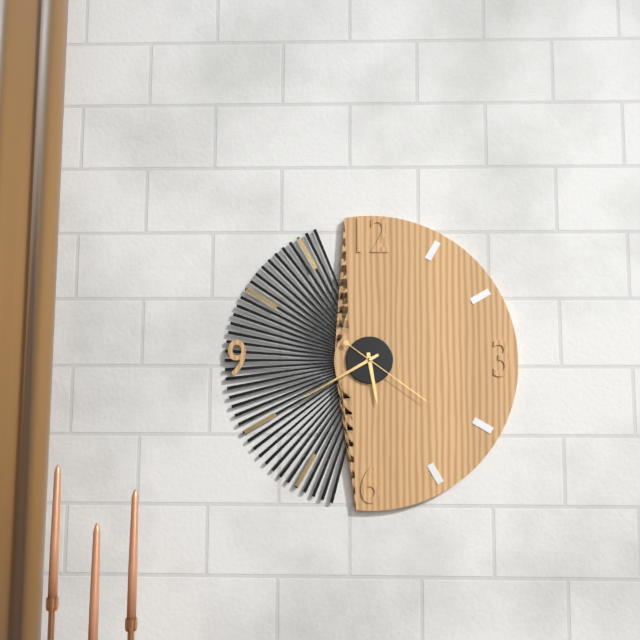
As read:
5,40,21
